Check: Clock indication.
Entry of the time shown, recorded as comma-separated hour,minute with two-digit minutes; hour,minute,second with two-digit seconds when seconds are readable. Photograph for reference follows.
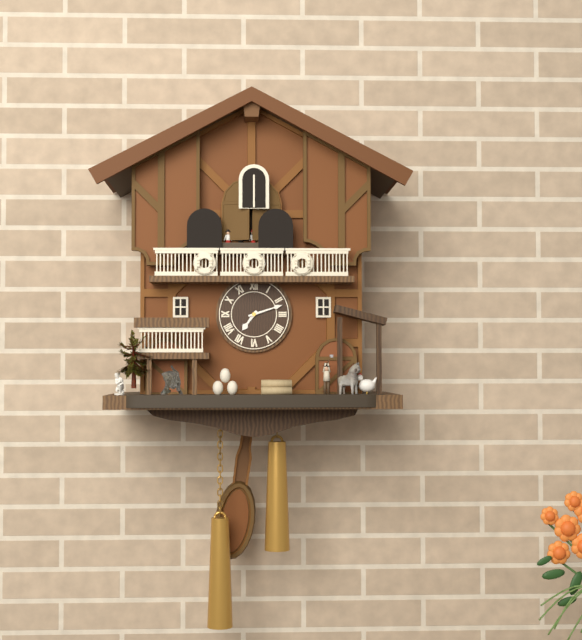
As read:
7,12
